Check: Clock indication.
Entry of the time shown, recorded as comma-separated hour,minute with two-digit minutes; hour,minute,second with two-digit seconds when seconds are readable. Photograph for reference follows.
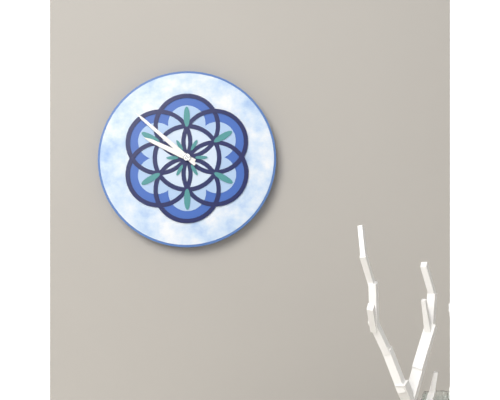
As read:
9,52
